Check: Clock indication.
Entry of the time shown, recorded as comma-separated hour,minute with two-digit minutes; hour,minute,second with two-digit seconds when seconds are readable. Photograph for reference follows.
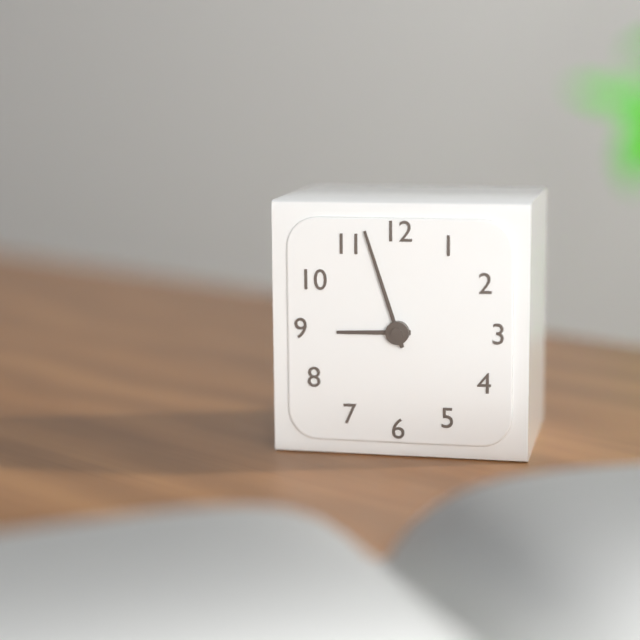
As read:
8,57
